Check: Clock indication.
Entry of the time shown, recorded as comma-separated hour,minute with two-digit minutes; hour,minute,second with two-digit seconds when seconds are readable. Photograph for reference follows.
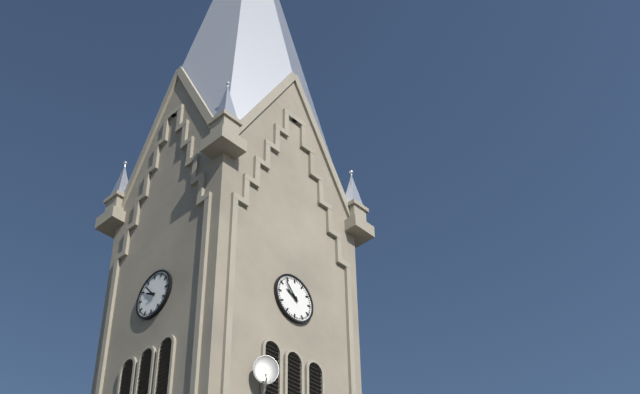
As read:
9,53
